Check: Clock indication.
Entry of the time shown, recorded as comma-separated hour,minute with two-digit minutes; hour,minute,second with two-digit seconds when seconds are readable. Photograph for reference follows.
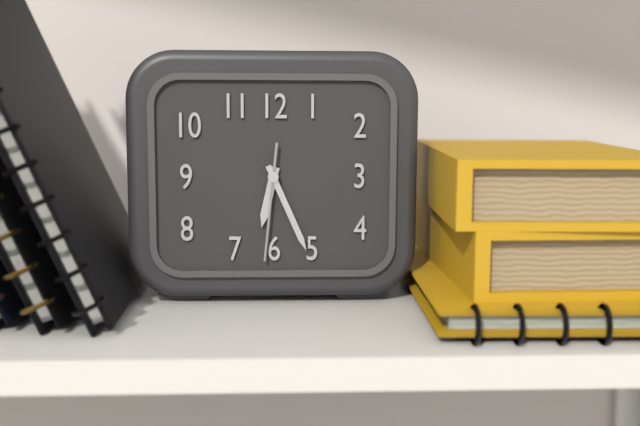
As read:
6,26,31
